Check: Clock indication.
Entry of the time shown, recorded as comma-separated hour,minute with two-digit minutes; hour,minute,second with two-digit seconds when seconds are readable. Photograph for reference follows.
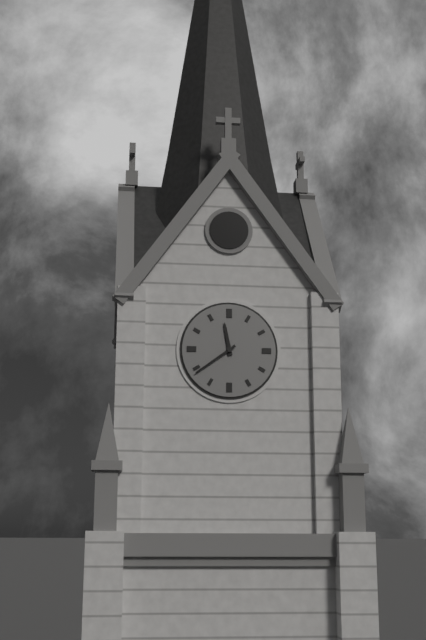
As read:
11,39
